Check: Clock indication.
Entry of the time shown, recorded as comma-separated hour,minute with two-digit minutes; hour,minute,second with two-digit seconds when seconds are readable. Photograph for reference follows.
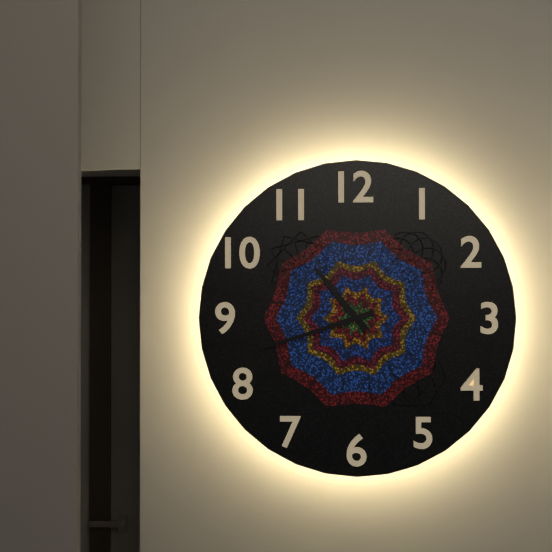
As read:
10,42
